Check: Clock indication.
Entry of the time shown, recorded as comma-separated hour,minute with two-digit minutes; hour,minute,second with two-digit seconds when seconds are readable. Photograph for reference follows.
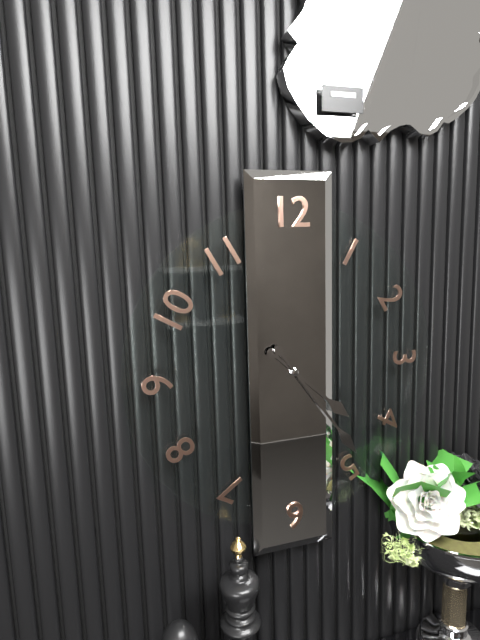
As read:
4,24
